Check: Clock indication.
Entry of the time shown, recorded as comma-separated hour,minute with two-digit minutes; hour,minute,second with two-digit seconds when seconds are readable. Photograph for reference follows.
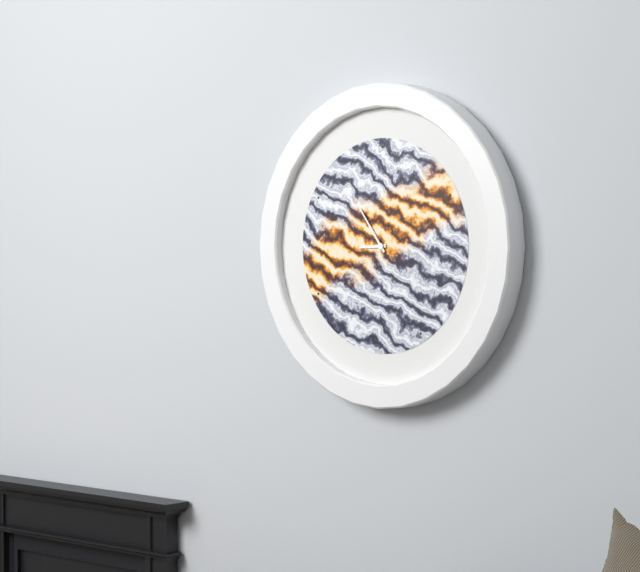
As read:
8,54
